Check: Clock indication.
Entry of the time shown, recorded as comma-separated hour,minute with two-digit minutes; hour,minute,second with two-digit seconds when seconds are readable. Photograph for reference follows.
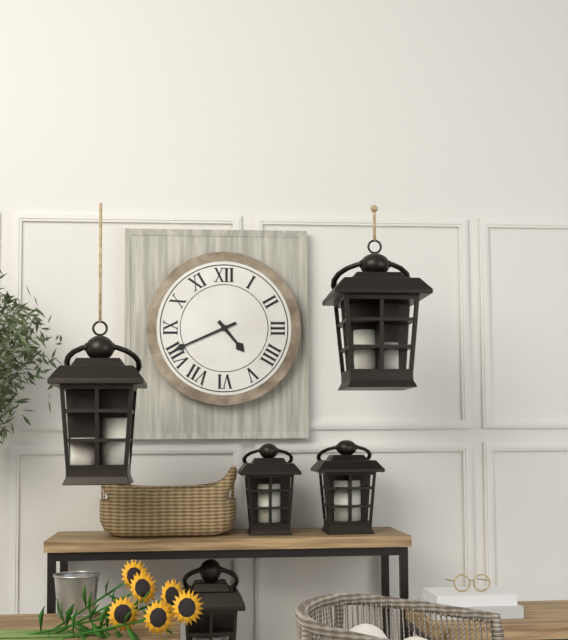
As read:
4,41
